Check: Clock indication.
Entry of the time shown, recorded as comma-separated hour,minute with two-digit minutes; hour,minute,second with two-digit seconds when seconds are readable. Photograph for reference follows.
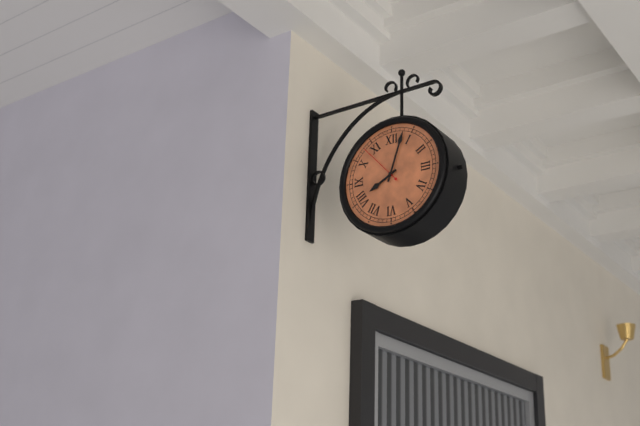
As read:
8,03
